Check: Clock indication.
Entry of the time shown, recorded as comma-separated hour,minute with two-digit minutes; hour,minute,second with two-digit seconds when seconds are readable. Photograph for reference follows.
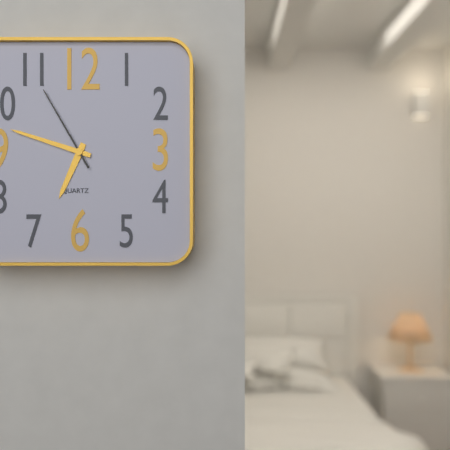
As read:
6,48,55
